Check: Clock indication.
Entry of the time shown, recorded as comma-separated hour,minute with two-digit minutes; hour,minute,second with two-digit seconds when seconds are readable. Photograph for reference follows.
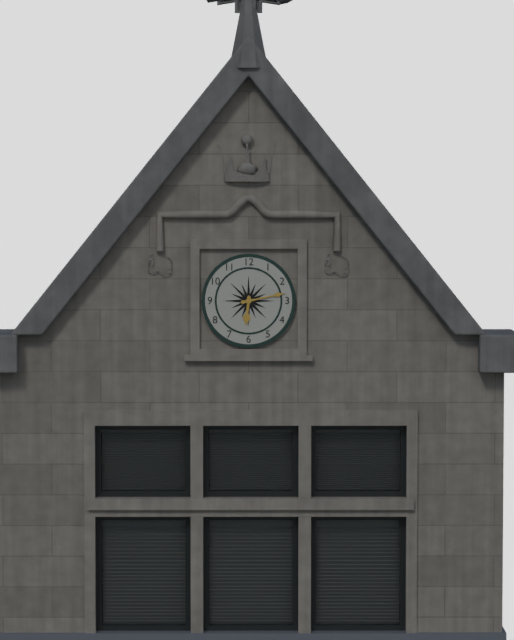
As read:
6,13
